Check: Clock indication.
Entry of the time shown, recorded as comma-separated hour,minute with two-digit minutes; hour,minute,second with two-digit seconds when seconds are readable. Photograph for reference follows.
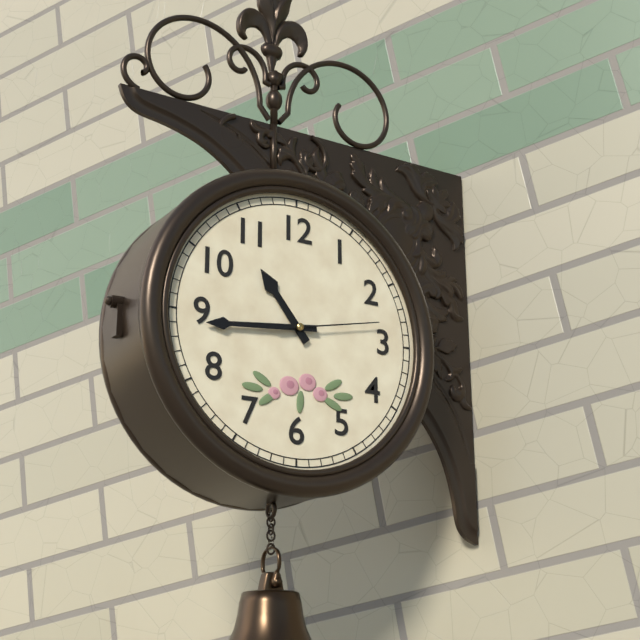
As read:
10,44,13
